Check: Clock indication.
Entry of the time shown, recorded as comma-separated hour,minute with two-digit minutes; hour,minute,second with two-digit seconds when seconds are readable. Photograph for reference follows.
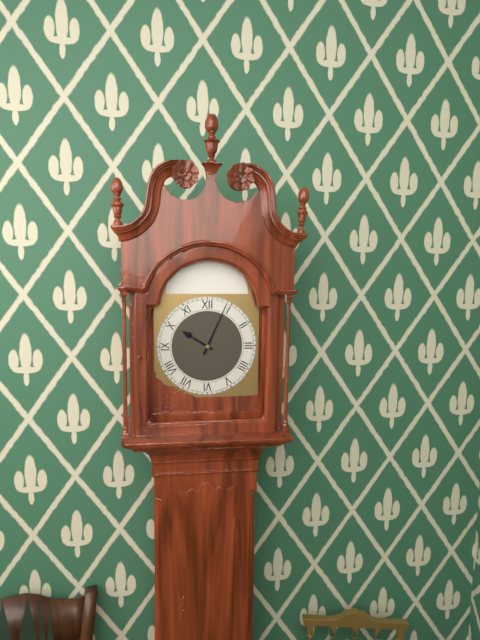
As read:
10,04
